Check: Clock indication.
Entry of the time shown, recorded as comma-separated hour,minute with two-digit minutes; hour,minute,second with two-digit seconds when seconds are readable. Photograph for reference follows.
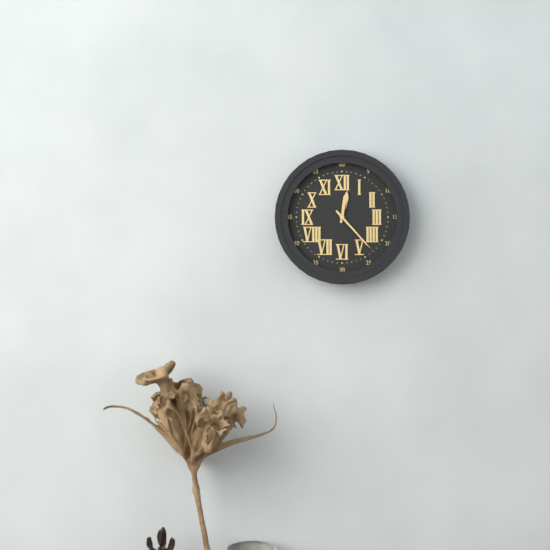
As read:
12,23
